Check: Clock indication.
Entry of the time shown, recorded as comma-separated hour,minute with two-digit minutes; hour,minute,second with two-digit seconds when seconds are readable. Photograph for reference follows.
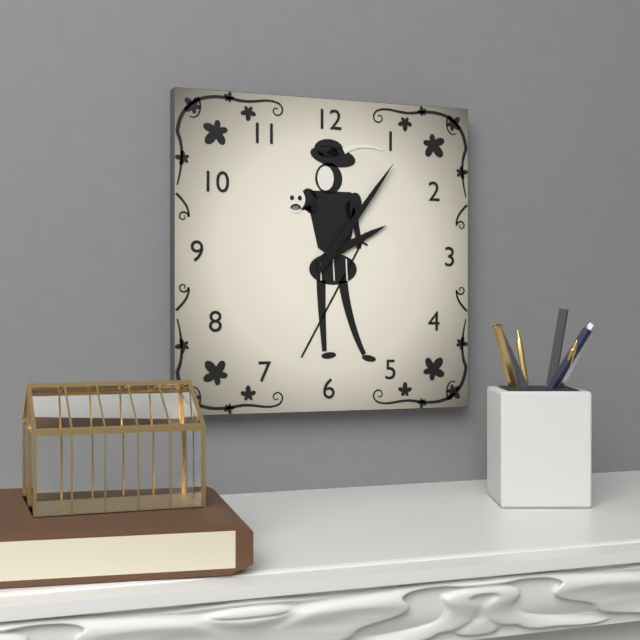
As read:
2,06
